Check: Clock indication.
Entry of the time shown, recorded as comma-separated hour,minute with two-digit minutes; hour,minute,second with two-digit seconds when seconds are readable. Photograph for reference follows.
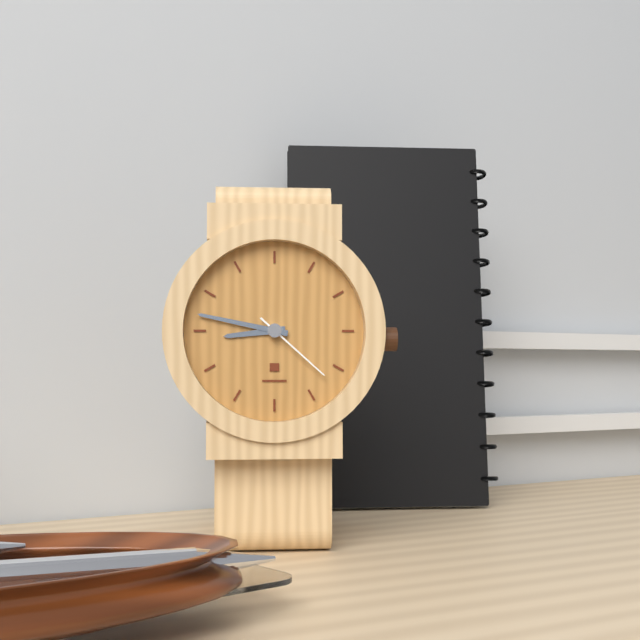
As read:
8,47,22
